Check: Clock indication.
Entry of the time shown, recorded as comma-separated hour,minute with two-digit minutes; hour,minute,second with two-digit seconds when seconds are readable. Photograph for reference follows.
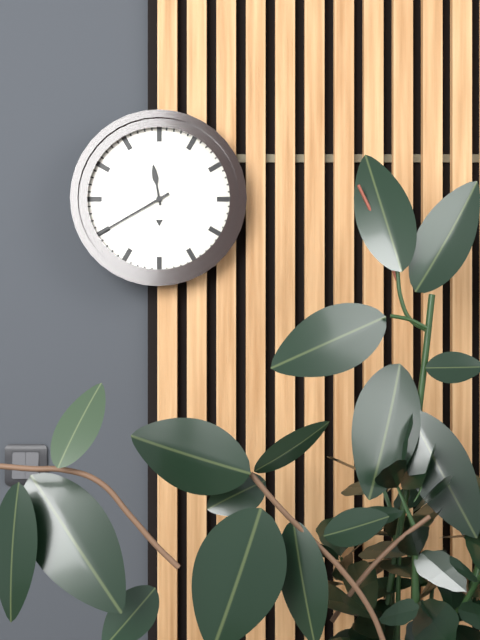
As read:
11,40
